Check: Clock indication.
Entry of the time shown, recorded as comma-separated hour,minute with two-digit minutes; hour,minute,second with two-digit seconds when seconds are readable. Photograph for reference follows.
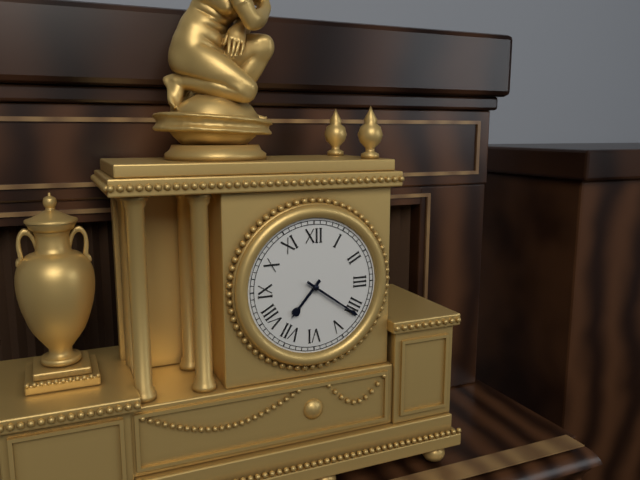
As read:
7,21
